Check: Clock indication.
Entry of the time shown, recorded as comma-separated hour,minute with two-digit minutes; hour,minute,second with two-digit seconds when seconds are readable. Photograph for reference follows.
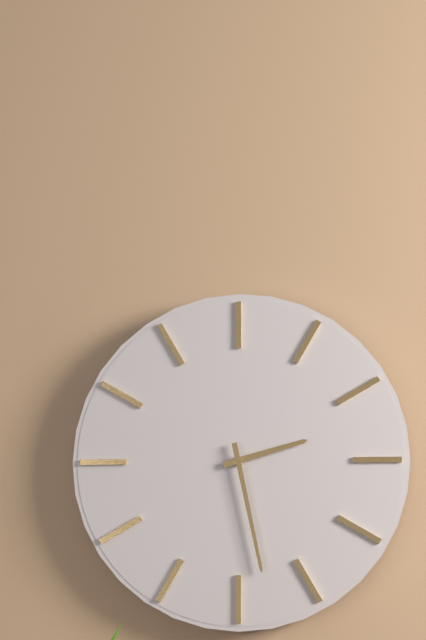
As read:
2,28
